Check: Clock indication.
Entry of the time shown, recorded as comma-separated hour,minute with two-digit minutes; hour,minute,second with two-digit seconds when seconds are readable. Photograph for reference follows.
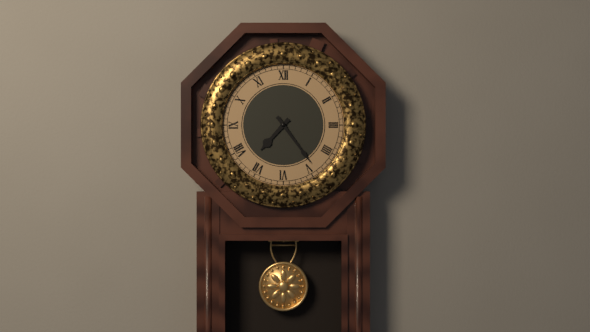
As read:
7,24
